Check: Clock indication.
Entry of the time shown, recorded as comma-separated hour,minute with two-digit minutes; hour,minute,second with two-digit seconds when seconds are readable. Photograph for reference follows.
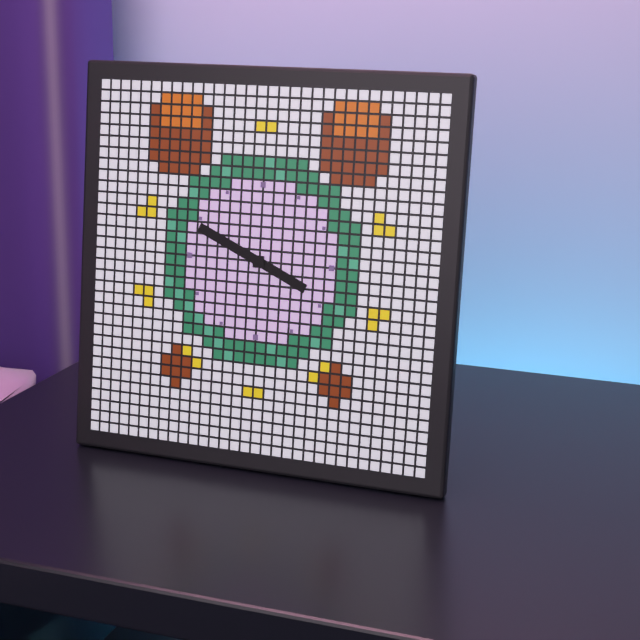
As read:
3,49
